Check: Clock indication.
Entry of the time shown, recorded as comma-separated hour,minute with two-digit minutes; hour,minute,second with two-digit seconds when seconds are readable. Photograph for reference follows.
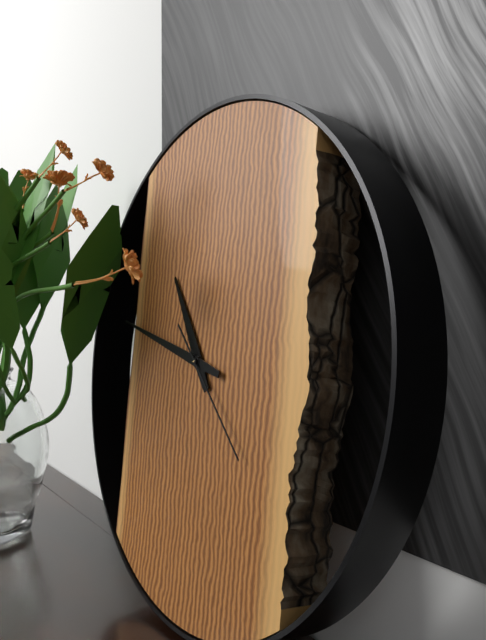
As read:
10,47,22
